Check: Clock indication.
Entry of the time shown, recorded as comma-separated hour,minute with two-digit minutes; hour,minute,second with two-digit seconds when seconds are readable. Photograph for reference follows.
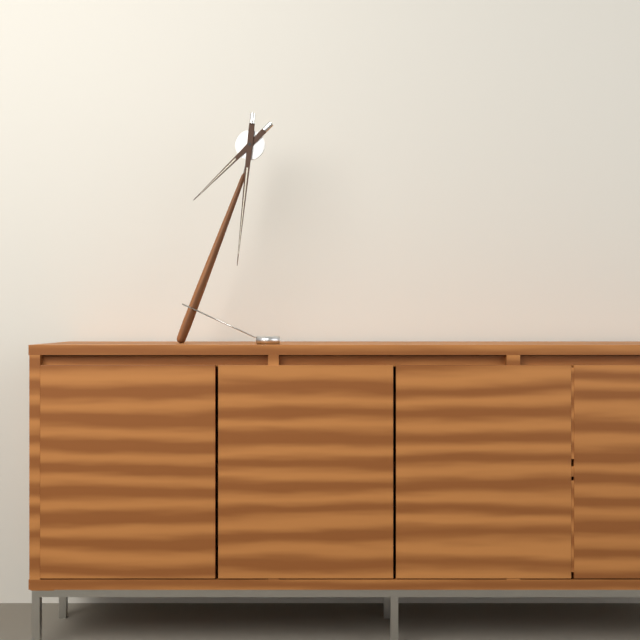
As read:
7,31
